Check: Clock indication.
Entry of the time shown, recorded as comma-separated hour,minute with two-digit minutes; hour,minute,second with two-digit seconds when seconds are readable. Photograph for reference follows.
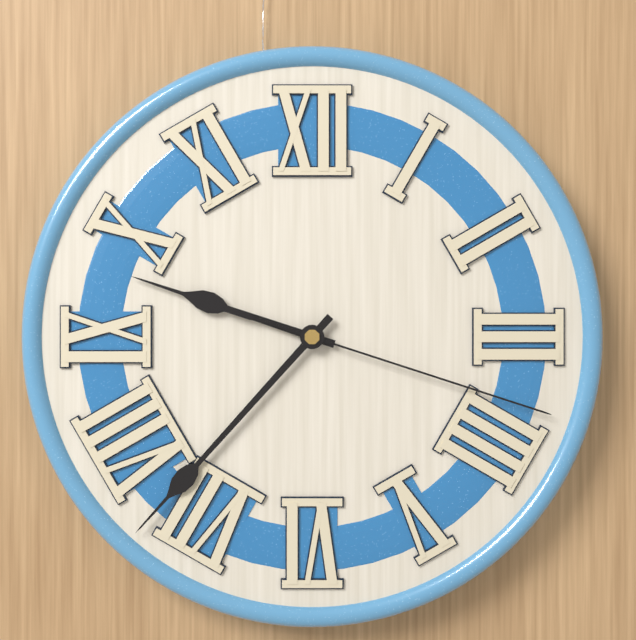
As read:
9,37,18
